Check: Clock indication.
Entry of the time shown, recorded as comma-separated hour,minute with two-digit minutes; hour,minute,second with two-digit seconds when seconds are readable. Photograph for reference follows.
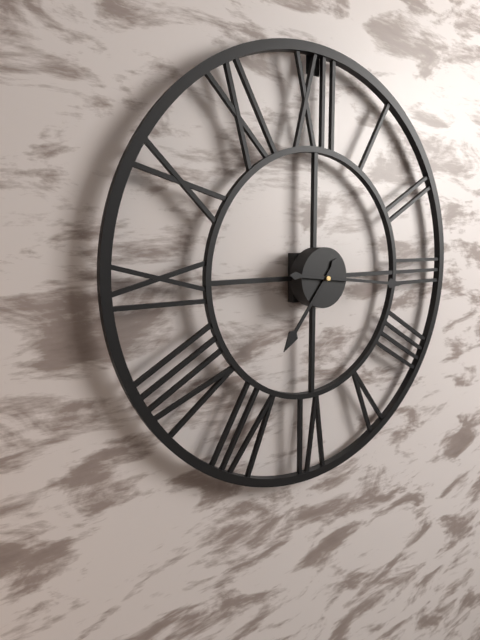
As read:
7,16
